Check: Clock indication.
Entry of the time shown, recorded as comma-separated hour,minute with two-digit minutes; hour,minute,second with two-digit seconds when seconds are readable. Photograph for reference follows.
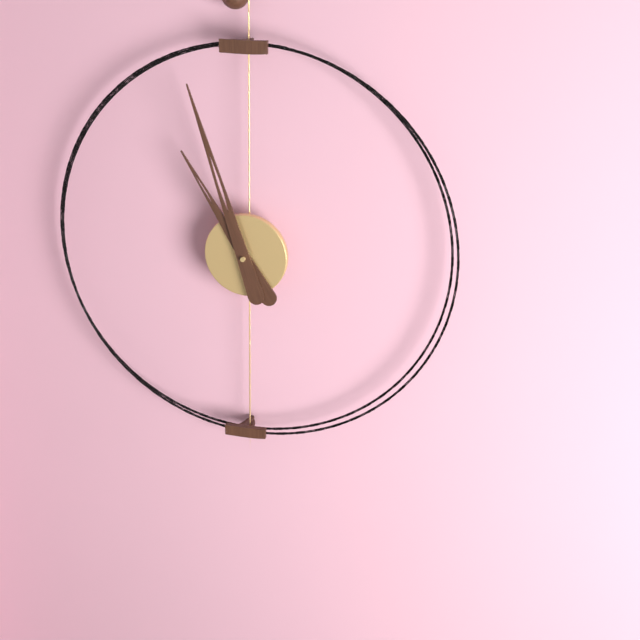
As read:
10,57
